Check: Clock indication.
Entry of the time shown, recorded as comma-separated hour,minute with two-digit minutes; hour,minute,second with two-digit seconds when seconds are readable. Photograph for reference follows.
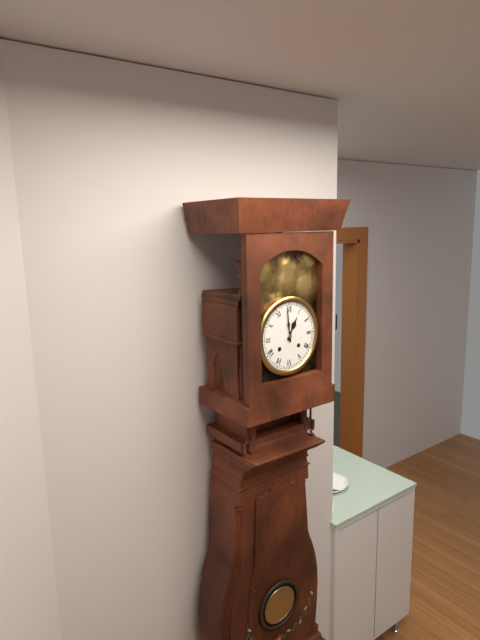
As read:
12,59
